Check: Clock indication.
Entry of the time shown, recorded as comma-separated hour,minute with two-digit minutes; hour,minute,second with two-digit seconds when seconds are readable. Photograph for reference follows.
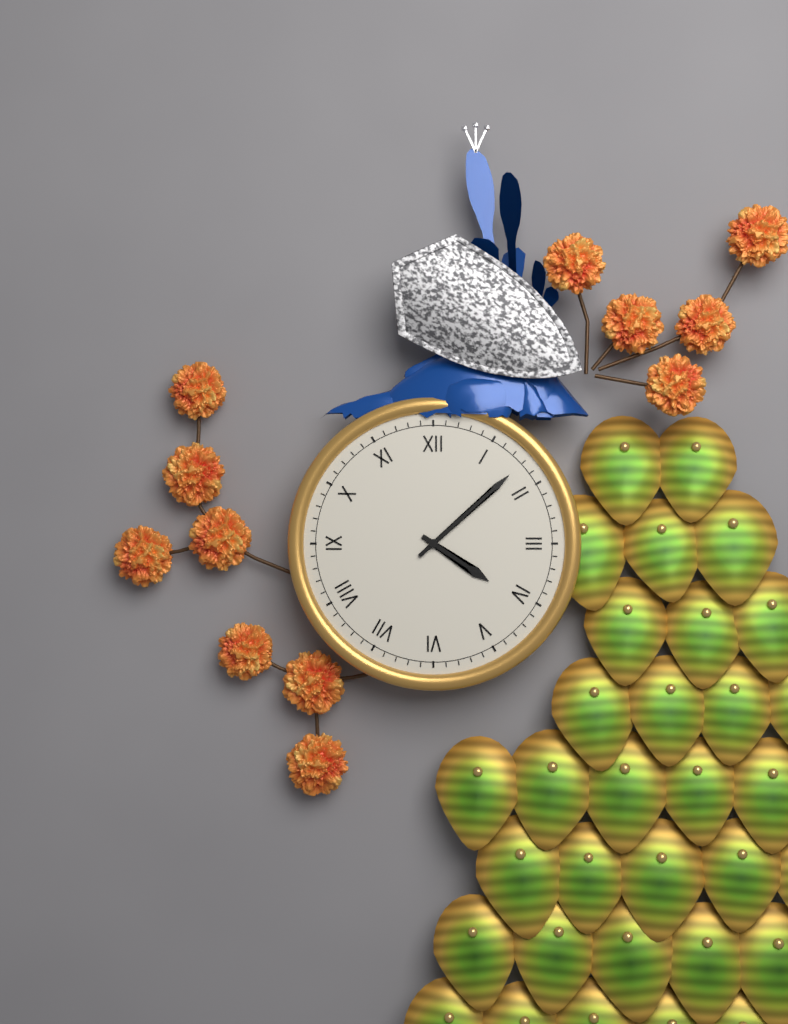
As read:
4,08
